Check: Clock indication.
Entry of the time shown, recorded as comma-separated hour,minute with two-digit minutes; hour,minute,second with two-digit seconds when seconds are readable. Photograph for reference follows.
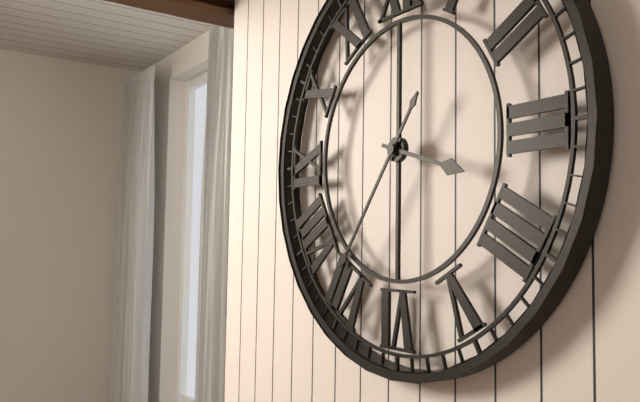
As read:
3,36
